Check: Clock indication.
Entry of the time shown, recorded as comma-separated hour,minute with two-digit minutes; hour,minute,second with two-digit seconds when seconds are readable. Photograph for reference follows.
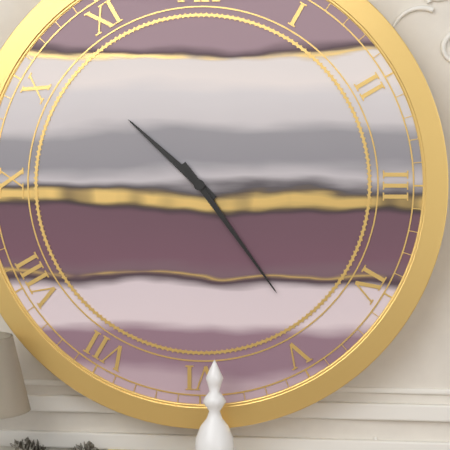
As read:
10,24
